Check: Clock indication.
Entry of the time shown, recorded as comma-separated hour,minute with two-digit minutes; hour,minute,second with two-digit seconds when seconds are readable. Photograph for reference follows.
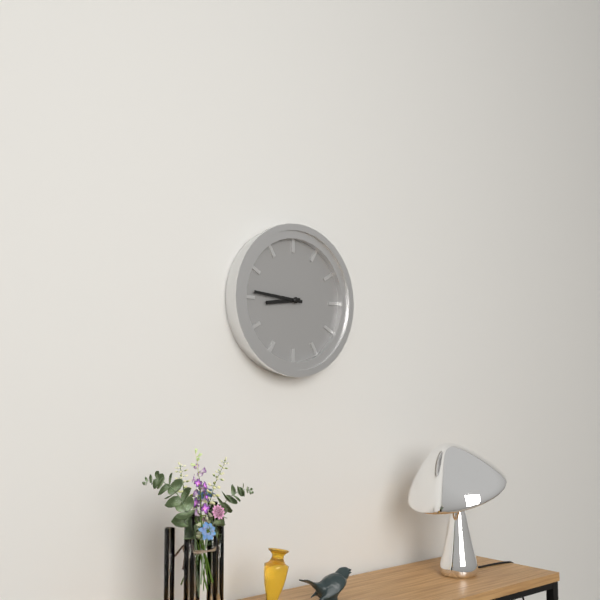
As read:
8,46
